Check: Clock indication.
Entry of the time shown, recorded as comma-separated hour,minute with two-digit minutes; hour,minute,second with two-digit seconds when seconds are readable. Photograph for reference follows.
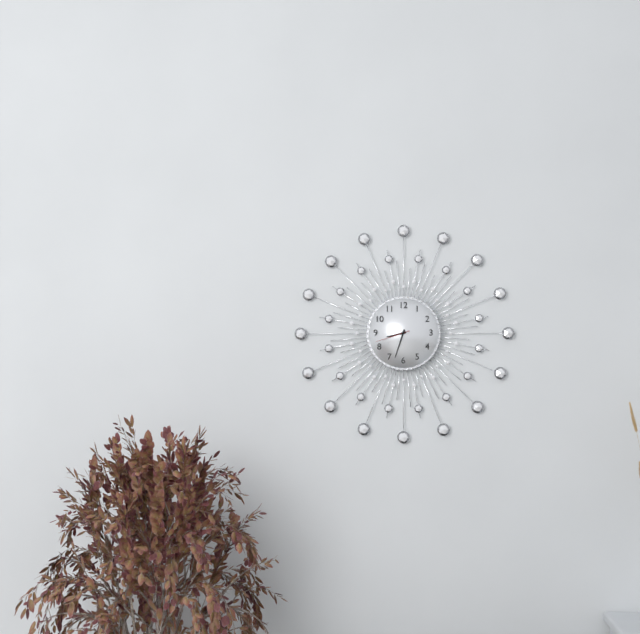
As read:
8,33
